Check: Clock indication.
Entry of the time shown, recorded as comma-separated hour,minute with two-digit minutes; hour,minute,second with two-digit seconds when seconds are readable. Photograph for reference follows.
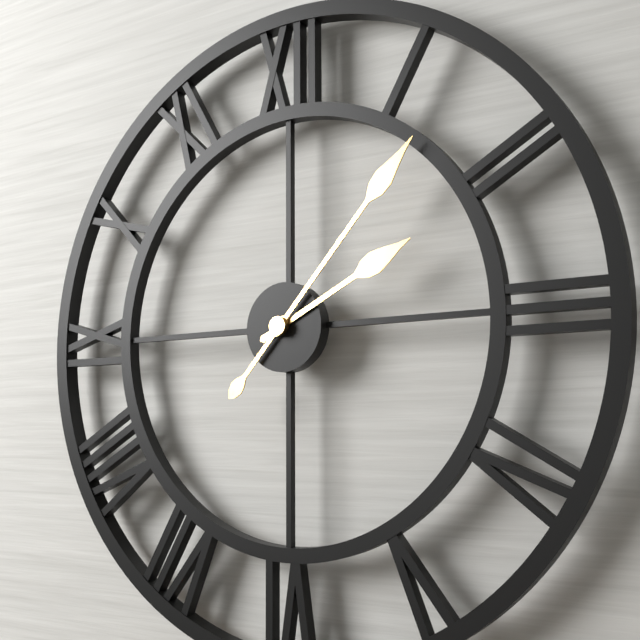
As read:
2,07
